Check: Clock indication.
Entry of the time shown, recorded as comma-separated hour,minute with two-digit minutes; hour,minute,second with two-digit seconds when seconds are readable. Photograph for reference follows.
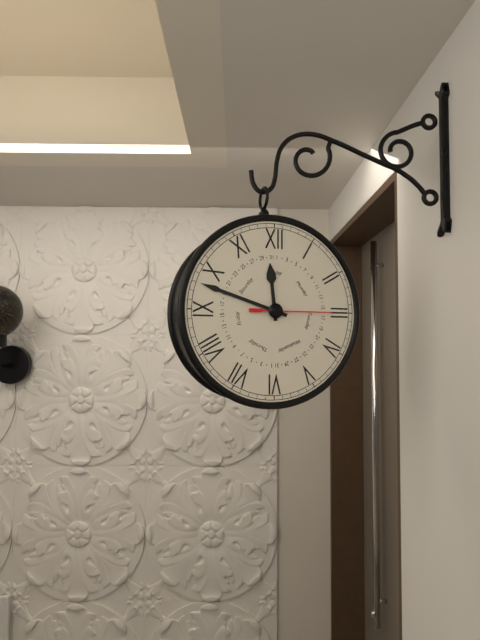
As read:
11,48,15
